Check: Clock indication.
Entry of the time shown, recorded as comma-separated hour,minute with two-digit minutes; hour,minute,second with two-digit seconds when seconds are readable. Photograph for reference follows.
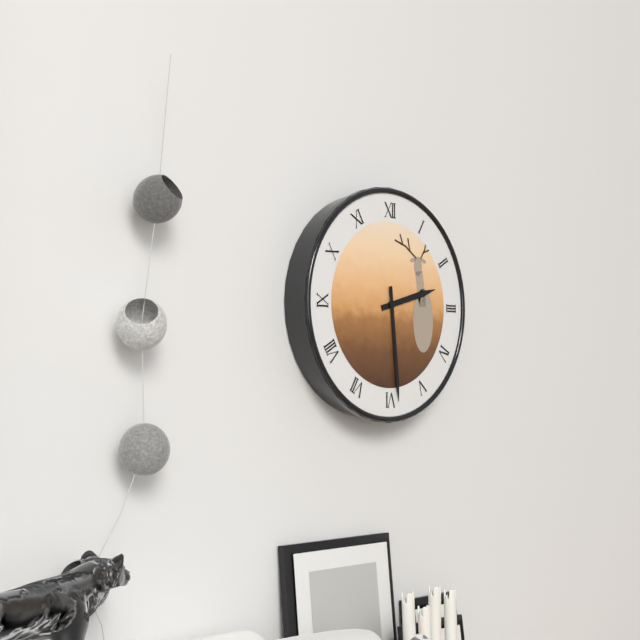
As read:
2,29
